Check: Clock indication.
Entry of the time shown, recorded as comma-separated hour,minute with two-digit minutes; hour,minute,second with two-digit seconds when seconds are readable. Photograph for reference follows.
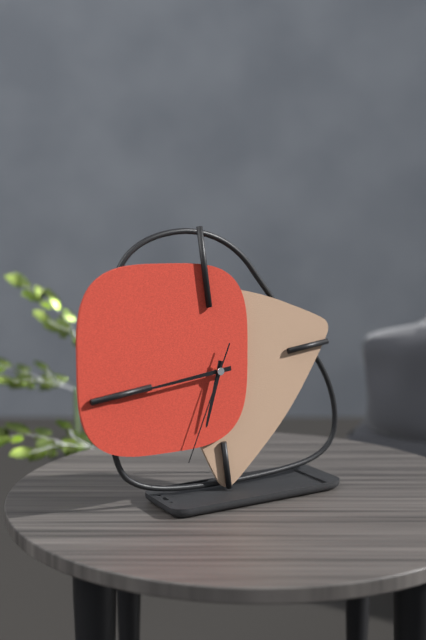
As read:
6,45,35
